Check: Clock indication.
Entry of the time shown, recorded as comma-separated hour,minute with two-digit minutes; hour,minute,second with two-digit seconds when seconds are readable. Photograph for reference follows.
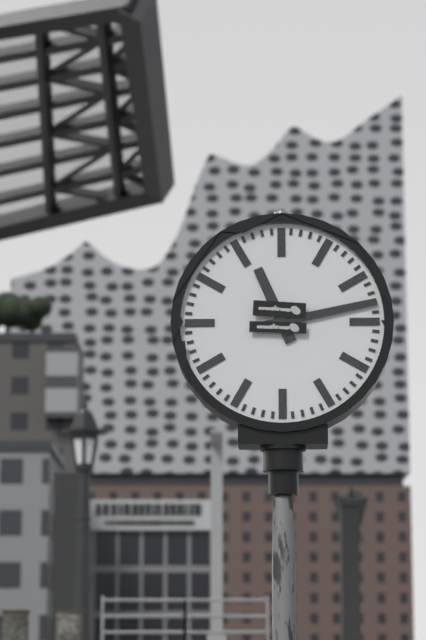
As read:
11,13
